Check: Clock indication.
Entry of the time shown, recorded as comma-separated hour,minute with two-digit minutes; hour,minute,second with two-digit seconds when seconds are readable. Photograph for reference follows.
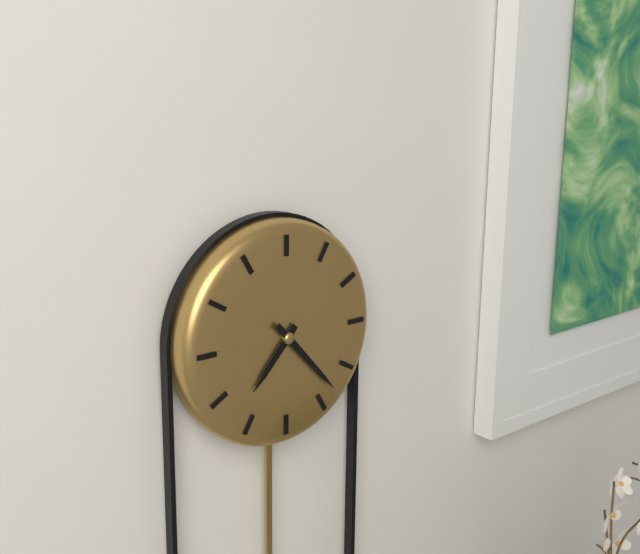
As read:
7,23
